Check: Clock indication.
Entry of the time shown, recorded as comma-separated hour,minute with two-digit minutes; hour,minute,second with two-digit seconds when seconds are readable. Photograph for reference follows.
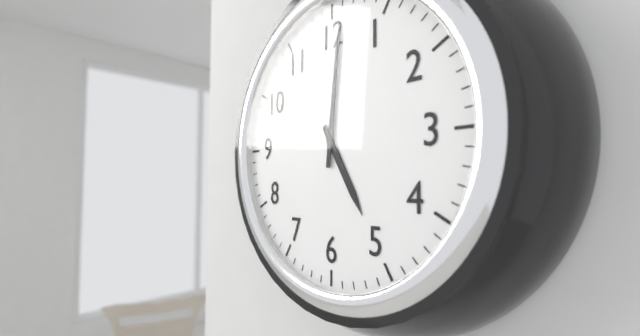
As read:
5,01
